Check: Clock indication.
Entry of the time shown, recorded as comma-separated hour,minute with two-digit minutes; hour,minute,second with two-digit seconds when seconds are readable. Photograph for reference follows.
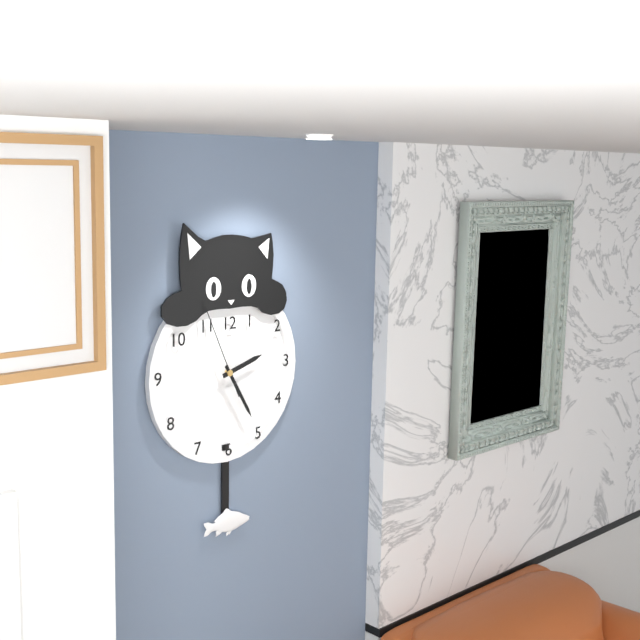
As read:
2,25,56
